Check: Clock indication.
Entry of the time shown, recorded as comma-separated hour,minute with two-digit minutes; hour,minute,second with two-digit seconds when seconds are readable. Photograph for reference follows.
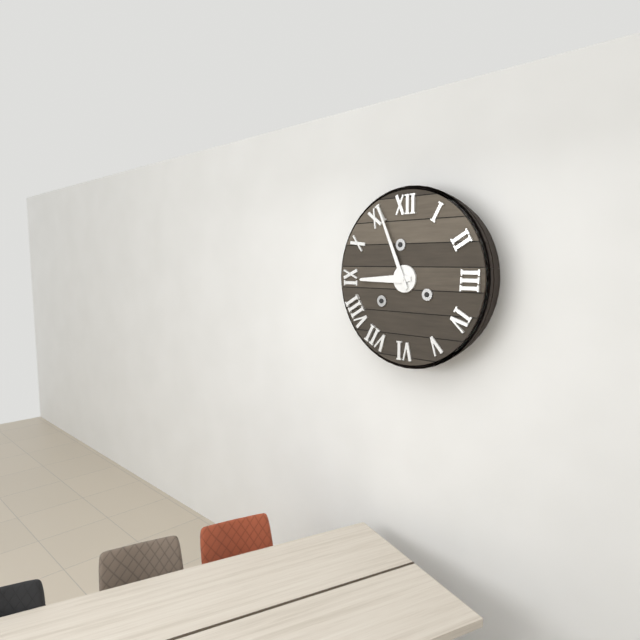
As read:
8,56
